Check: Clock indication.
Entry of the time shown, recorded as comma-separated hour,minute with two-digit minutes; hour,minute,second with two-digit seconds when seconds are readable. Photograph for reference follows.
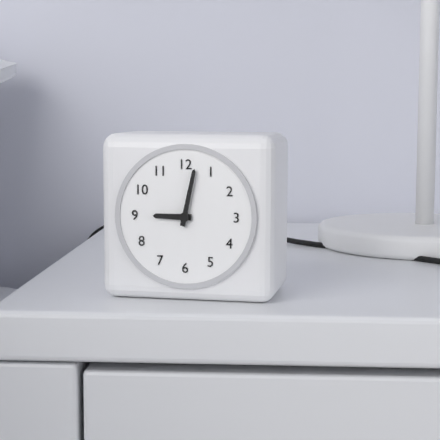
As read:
9,02
